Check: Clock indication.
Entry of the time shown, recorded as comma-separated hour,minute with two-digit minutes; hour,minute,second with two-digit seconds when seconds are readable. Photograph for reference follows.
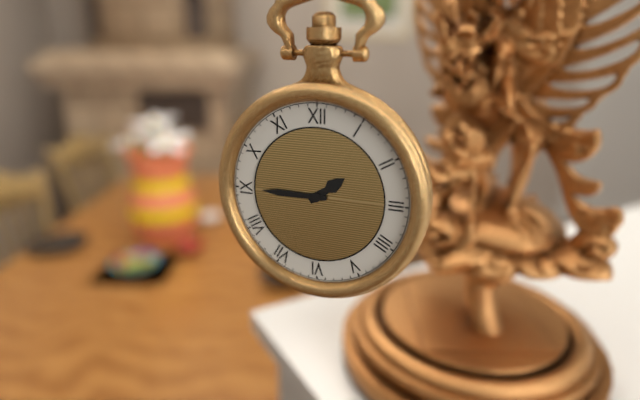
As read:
1,45
